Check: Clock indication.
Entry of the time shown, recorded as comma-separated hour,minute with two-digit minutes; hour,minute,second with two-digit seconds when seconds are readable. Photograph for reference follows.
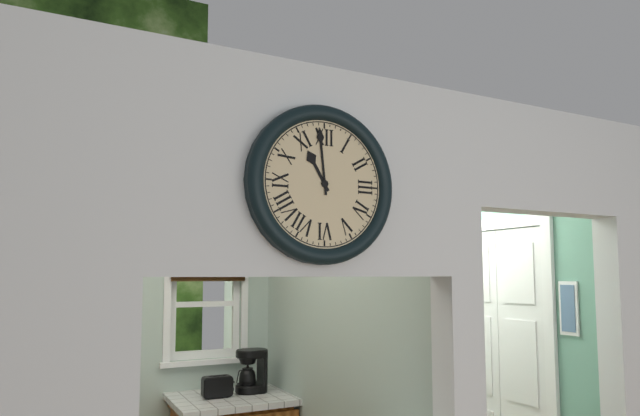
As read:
10,59
